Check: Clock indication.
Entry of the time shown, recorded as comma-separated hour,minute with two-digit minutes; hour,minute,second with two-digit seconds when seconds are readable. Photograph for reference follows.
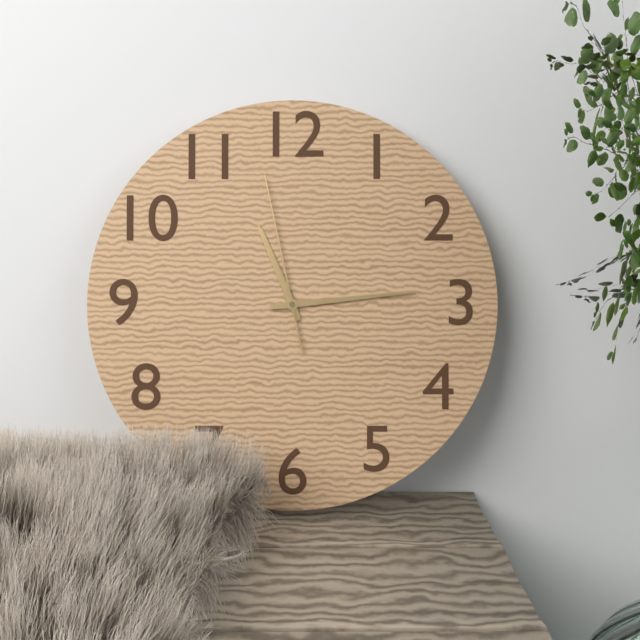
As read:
11,14,58
